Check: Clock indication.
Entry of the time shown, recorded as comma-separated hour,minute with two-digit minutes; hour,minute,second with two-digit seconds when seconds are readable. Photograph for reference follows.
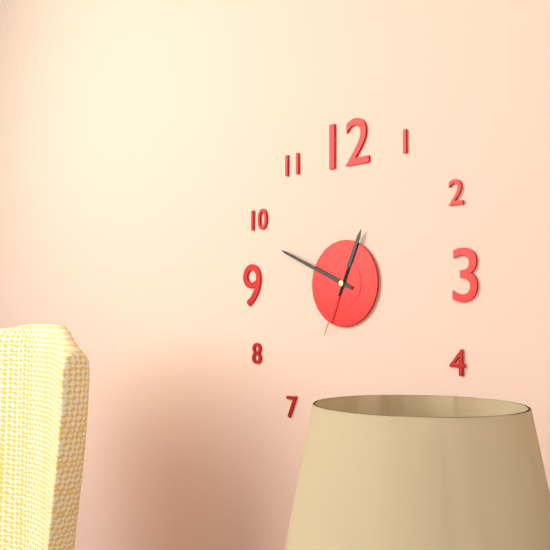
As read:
12,49,34
